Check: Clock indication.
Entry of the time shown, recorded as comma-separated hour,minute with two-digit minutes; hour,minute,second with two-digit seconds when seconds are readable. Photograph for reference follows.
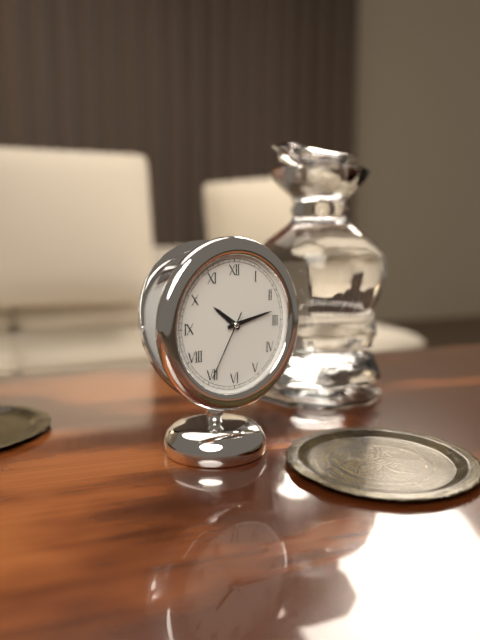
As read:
10,13,35
